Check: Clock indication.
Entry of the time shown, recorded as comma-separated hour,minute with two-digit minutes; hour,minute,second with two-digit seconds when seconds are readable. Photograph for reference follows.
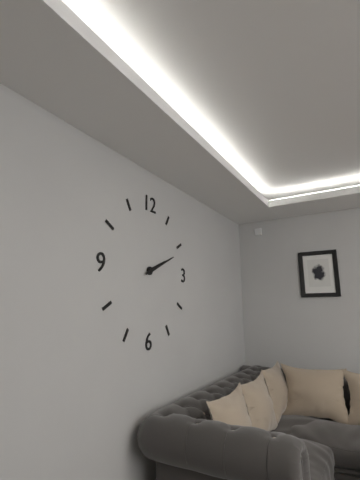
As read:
2,11
